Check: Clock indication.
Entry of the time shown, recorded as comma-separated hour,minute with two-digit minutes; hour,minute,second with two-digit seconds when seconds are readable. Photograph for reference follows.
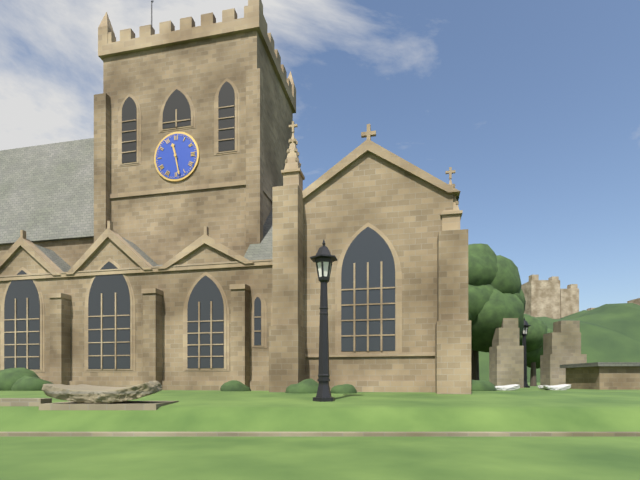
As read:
11,28
